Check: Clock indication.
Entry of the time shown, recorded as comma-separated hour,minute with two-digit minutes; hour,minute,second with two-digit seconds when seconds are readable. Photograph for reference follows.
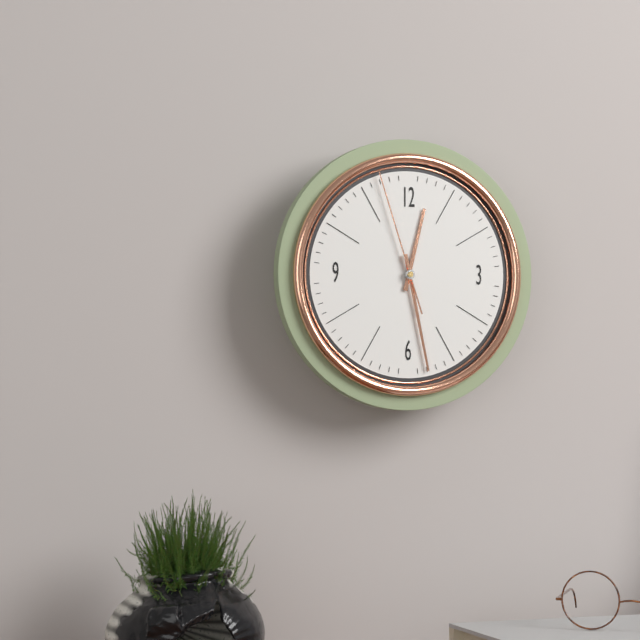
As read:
12,28,57
